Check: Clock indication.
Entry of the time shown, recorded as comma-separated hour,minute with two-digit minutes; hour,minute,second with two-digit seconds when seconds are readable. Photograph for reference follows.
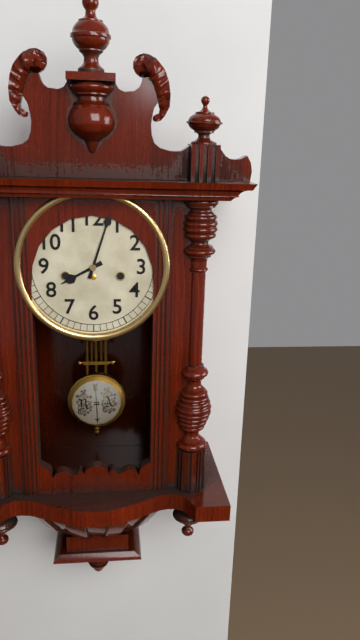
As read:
8,03
